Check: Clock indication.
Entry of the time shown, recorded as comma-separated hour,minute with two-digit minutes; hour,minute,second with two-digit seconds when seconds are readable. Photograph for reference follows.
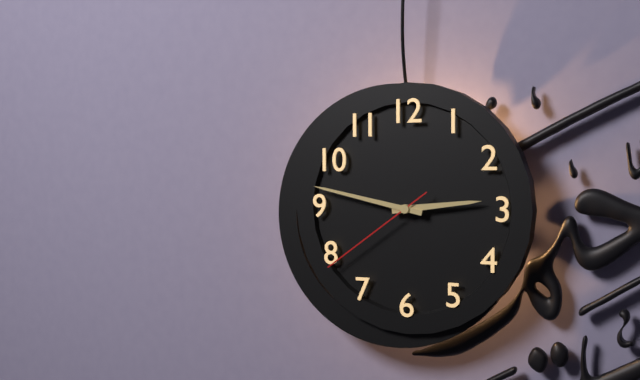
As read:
2,47,39
